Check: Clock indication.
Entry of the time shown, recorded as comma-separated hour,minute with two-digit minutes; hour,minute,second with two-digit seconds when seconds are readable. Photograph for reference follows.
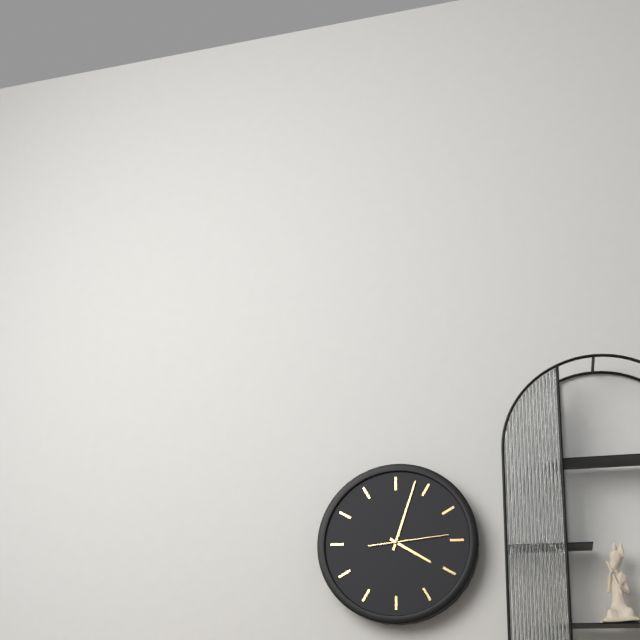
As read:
4,03,14
